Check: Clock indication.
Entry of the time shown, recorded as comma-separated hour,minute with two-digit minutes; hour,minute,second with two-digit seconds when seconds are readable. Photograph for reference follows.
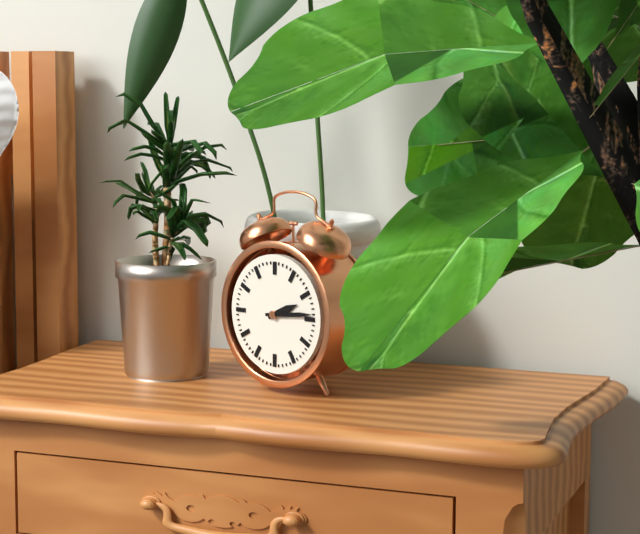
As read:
2,14
